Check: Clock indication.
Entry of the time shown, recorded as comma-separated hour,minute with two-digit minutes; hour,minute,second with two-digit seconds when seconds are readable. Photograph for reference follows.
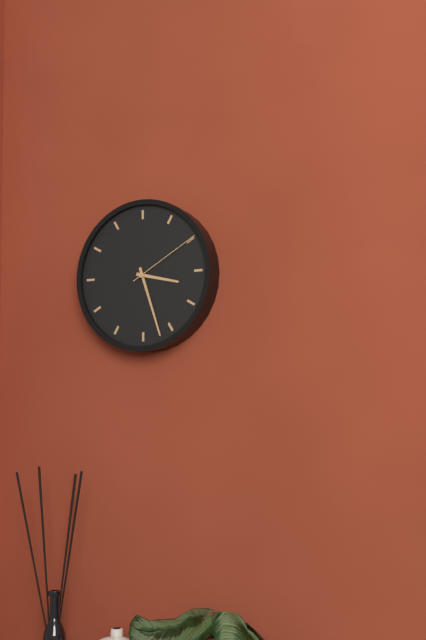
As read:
3,27,10
